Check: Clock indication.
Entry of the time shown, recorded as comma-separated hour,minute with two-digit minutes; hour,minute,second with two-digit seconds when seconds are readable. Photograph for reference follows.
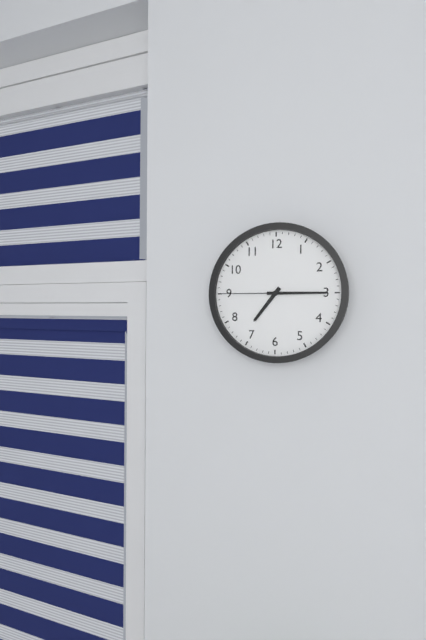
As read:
7,15,45
